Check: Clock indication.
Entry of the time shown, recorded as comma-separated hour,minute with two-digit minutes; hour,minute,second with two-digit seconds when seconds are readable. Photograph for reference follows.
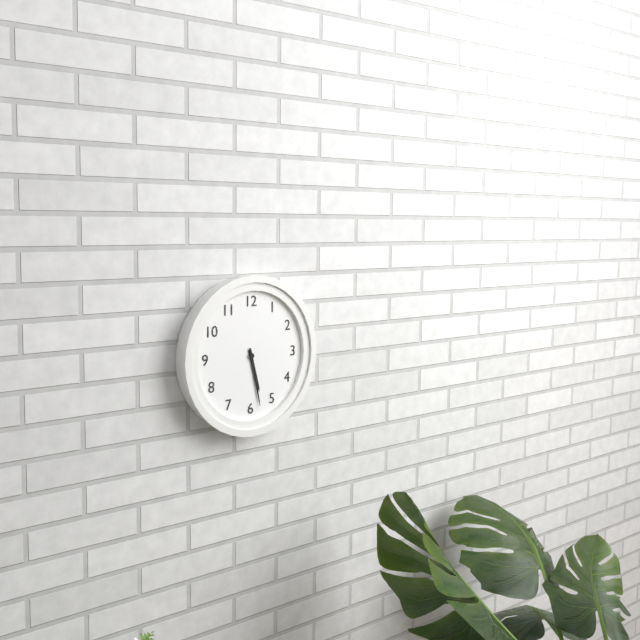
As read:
5,28
